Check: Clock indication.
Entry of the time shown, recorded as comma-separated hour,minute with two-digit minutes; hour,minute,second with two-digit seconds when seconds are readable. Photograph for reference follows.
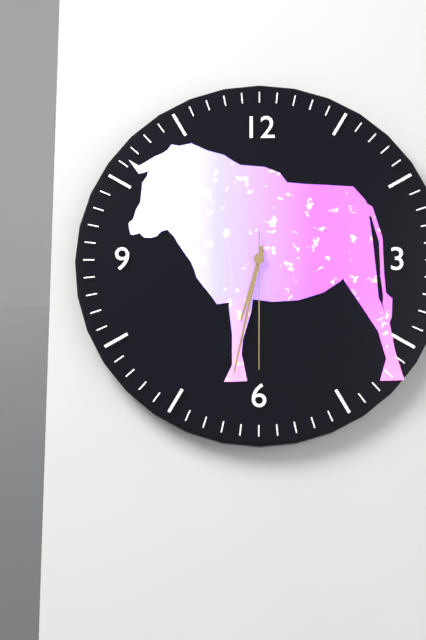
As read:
6,32,30
